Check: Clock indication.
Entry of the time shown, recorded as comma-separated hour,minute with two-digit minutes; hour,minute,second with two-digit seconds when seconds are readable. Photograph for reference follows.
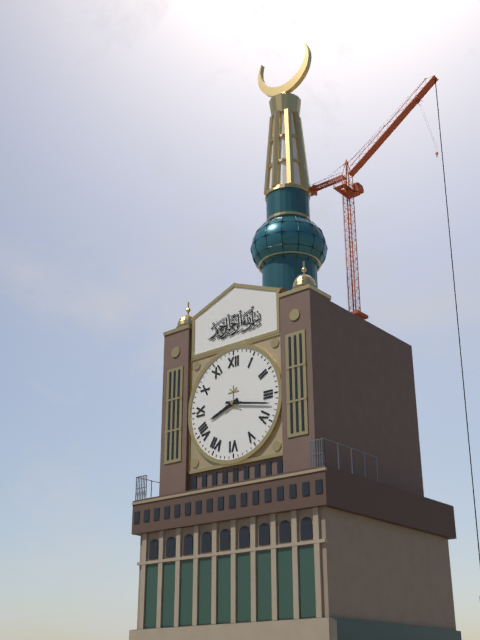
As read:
8,17
